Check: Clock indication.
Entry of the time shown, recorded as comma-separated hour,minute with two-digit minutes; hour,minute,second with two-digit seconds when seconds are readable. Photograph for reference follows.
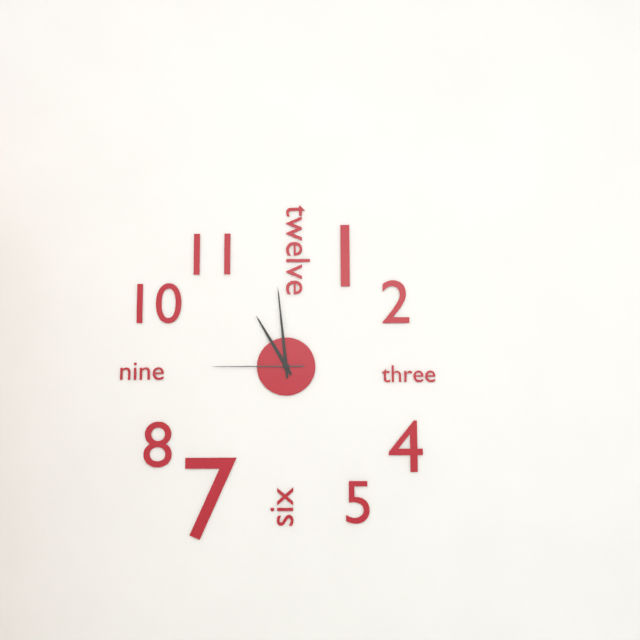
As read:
10,59,45
